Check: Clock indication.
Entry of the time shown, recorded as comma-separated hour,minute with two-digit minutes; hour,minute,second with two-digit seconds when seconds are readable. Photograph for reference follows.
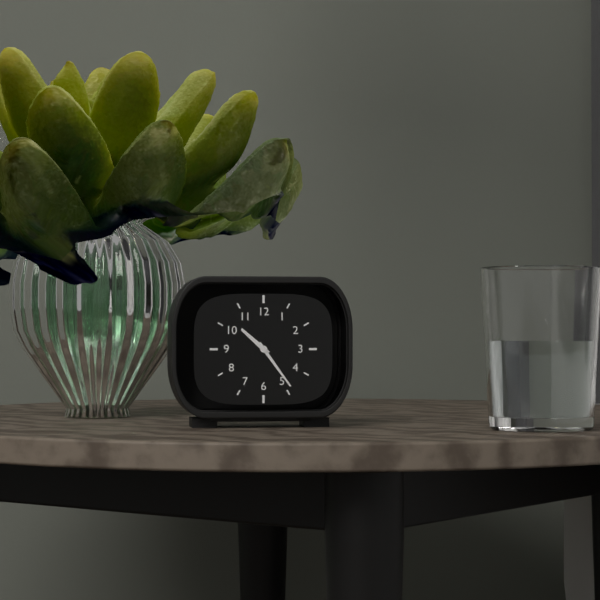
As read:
10,24
